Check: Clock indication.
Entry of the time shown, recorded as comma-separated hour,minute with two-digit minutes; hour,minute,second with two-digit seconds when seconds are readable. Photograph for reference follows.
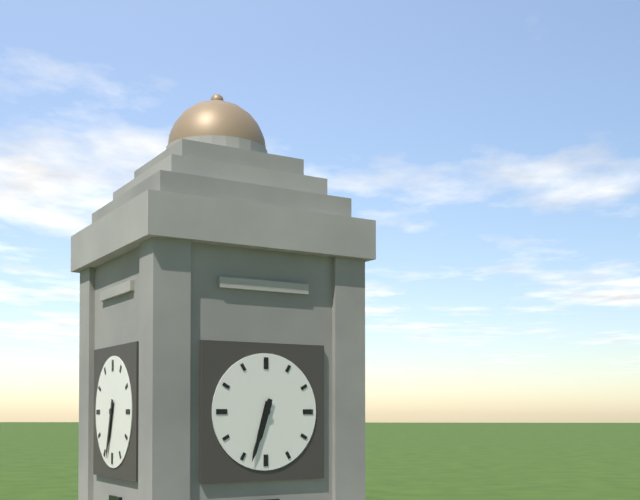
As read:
6,33
